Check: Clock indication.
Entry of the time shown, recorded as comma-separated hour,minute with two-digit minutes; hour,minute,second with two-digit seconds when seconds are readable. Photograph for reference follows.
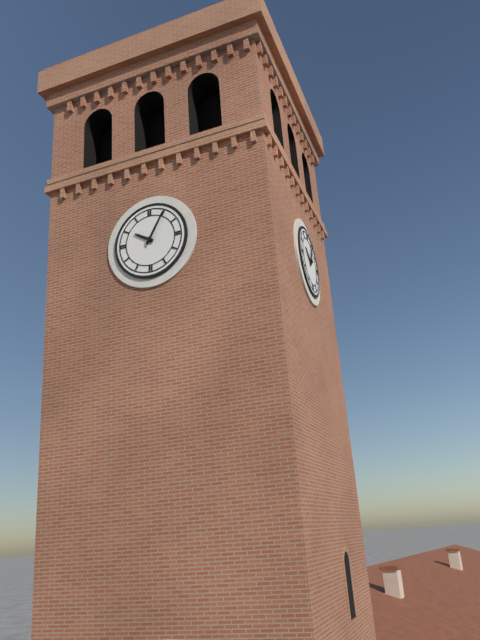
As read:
10,05
